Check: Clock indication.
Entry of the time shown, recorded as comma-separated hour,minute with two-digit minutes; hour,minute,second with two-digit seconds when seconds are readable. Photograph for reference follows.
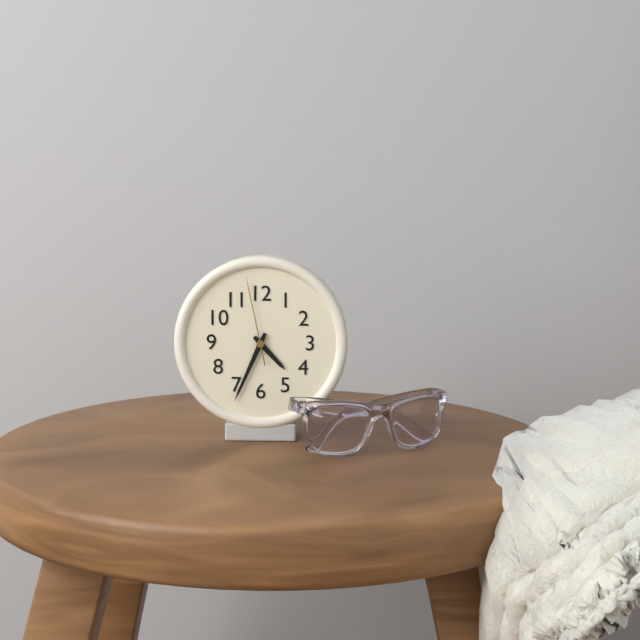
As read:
4,34,58
